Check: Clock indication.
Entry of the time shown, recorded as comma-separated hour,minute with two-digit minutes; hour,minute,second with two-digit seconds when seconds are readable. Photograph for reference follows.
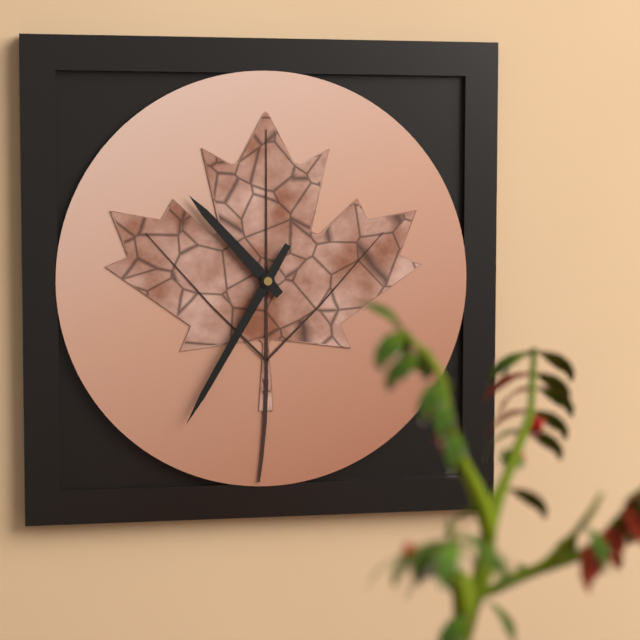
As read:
10,35
